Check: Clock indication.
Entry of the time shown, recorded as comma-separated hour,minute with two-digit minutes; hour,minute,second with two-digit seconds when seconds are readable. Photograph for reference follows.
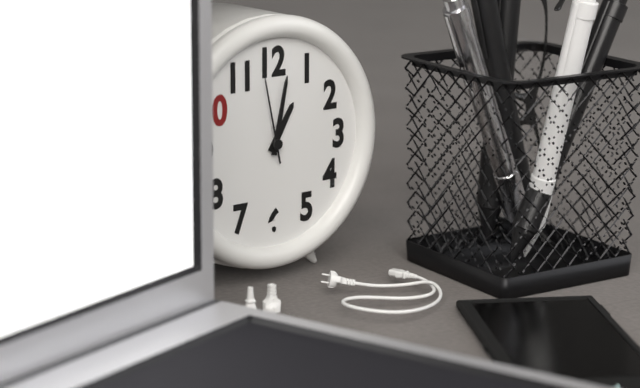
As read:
1,02,58
